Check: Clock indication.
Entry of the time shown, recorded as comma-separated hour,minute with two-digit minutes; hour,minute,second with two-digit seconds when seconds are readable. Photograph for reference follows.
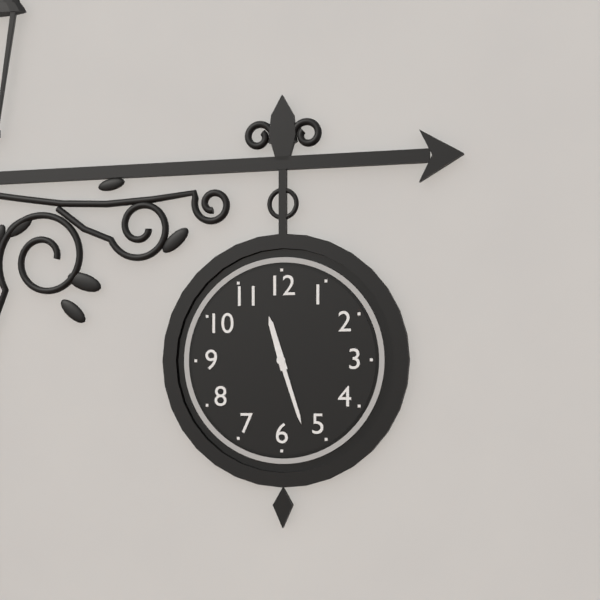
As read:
11,27
